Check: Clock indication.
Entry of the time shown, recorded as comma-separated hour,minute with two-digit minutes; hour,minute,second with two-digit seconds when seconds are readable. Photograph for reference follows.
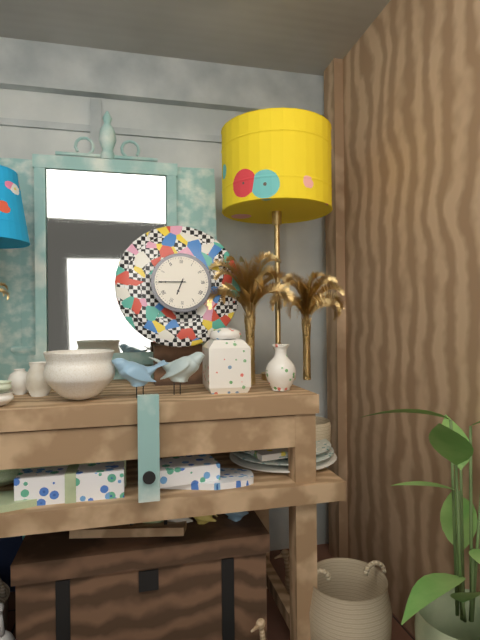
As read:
6,45
